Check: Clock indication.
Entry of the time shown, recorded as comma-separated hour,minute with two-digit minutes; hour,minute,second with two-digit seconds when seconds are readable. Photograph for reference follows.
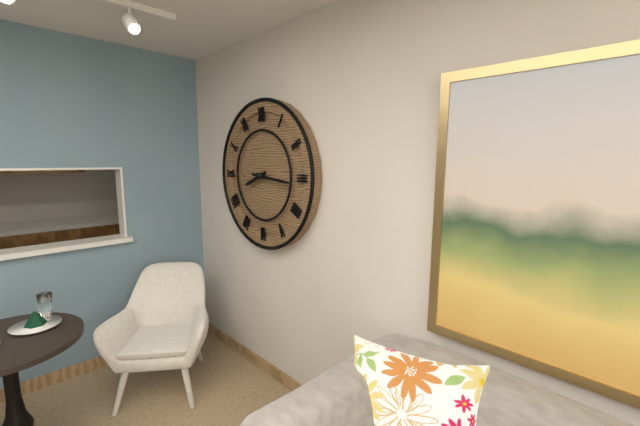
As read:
8,16
